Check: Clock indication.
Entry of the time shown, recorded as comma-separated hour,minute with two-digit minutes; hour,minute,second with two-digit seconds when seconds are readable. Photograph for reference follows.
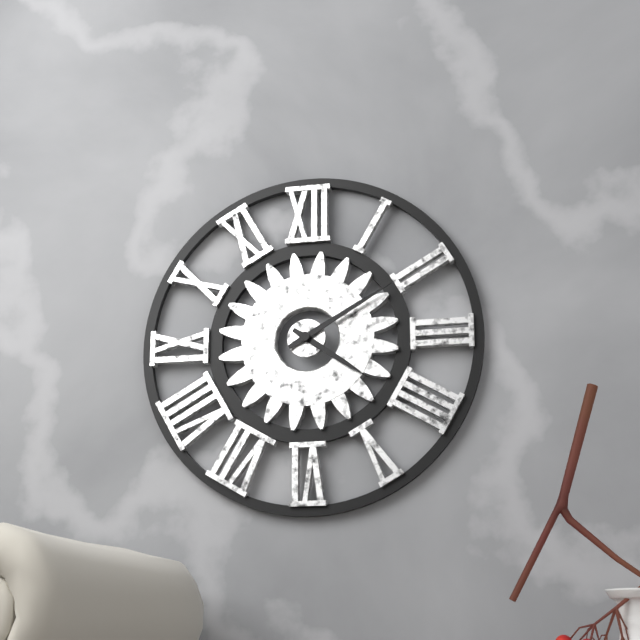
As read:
4,10
